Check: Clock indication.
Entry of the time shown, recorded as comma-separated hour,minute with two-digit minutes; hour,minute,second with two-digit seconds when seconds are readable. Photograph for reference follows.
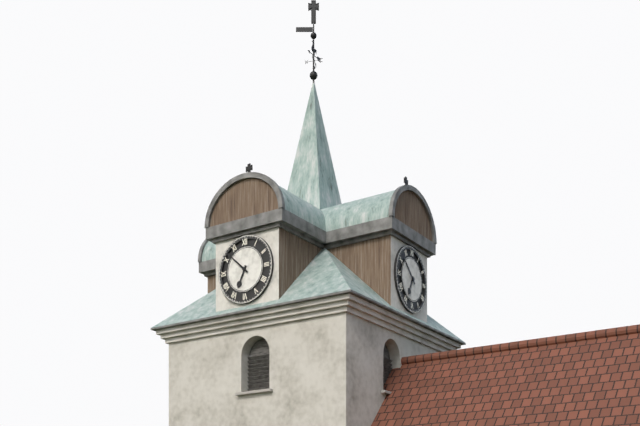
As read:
6,52
